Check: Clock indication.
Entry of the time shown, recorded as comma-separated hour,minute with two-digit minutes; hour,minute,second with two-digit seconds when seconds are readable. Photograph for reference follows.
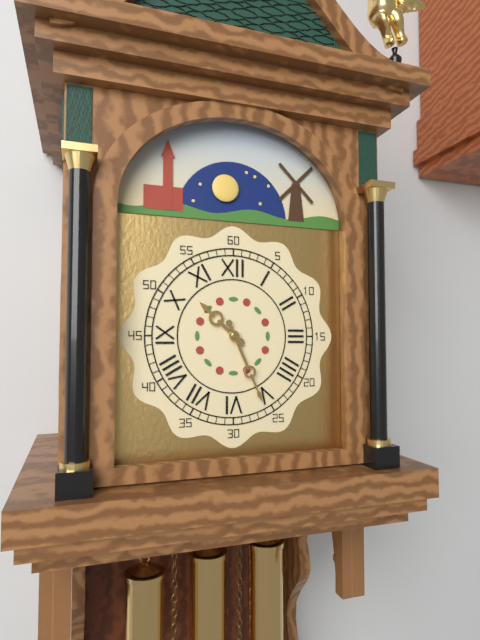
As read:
10,26
